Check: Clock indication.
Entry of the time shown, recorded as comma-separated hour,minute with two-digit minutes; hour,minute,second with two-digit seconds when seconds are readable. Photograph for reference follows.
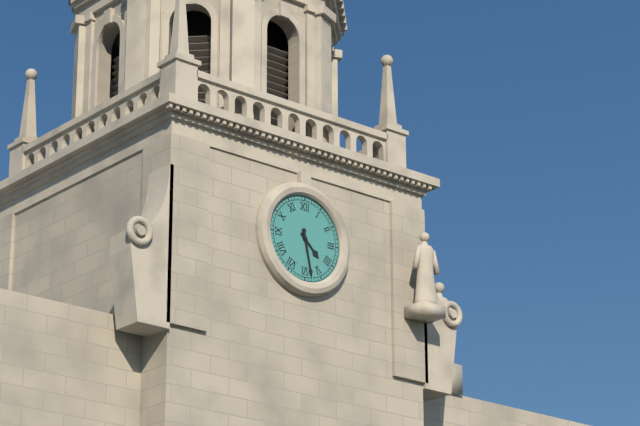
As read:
4,28
